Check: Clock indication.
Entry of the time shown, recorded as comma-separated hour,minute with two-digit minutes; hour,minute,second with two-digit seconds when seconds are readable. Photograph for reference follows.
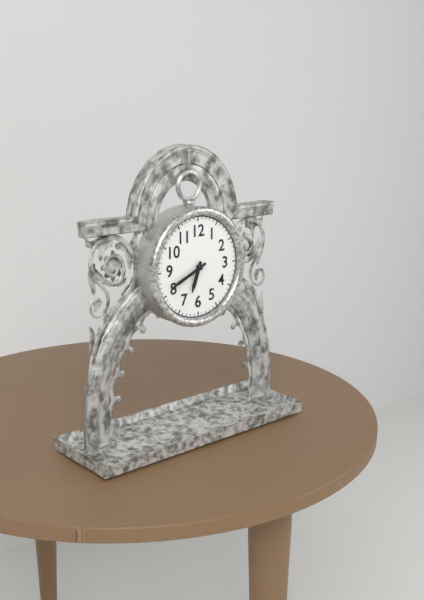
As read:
6,41
